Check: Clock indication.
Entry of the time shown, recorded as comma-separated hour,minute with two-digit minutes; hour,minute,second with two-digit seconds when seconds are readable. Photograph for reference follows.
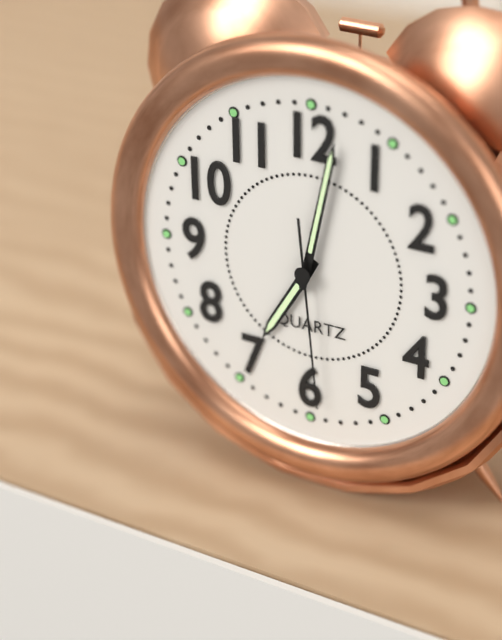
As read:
7,02,29
